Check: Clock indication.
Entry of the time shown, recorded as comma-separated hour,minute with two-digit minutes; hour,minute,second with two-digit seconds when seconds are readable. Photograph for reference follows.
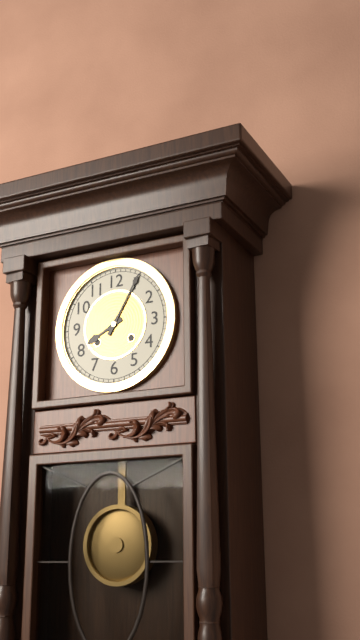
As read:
8,05
